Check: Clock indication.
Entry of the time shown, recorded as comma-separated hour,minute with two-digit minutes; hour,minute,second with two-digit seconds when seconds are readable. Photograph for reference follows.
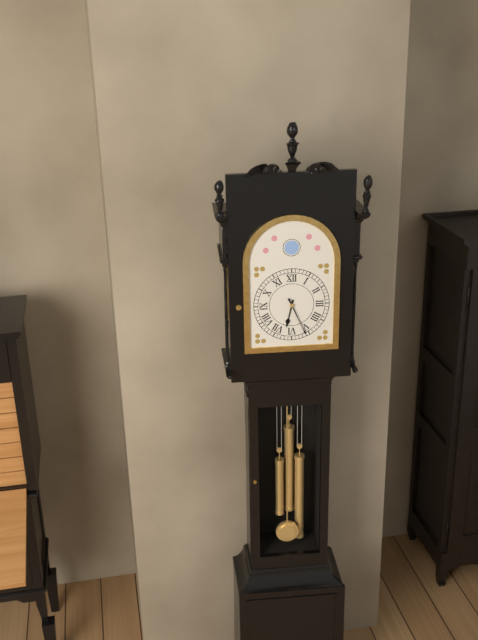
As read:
6,26
